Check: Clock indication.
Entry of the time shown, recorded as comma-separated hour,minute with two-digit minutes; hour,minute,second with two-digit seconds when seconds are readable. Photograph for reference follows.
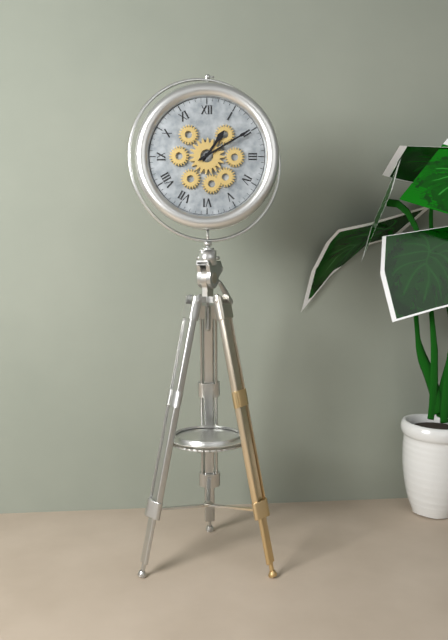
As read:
1,10
